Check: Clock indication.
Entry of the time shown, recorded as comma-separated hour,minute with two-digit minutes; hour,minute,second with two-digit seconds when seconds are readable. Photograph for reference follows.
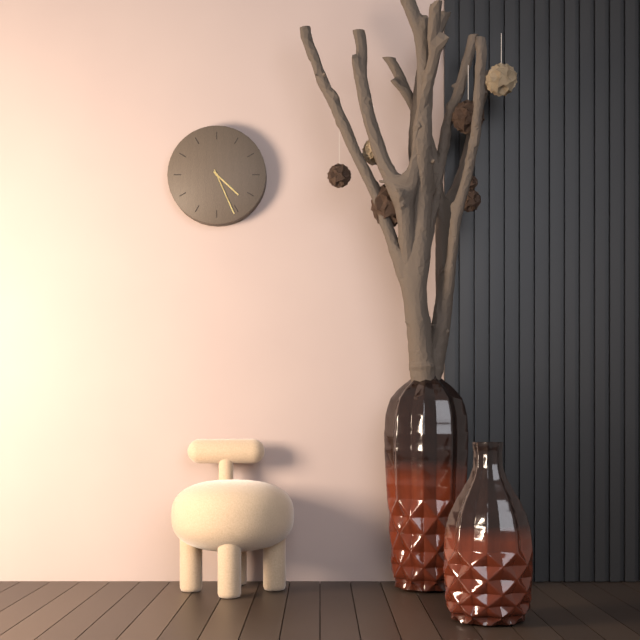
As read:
4,26
